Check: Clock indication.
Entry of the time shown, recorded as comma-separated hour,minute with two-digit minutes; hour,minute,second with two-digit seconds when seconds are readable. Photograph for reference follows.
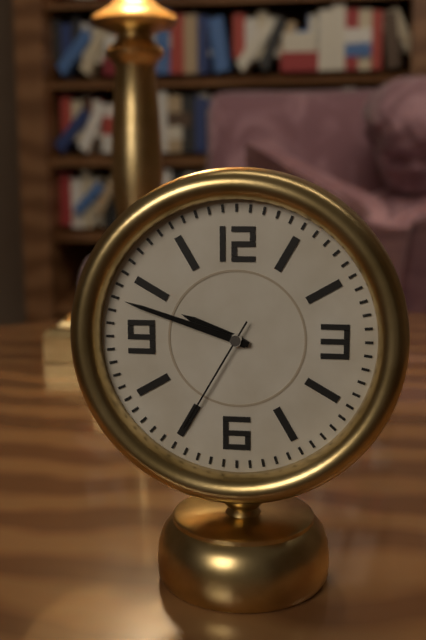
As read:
9,48,35
